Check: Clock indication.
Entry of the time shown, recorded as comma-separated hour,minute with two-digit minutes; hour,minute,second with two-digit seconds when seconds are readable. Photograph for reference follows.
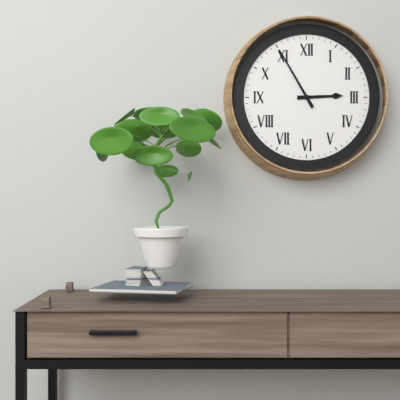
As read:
2,55
